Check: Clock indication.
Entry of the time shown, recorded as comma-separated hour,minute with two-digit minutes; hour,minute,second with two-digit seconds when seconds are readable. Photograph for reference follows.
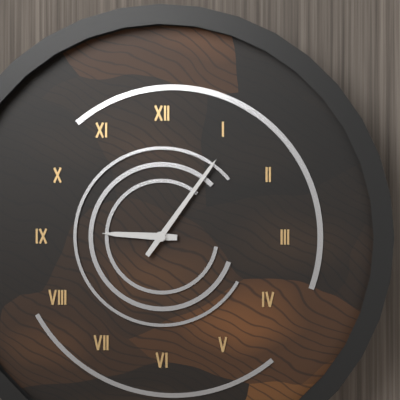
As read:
9,06
